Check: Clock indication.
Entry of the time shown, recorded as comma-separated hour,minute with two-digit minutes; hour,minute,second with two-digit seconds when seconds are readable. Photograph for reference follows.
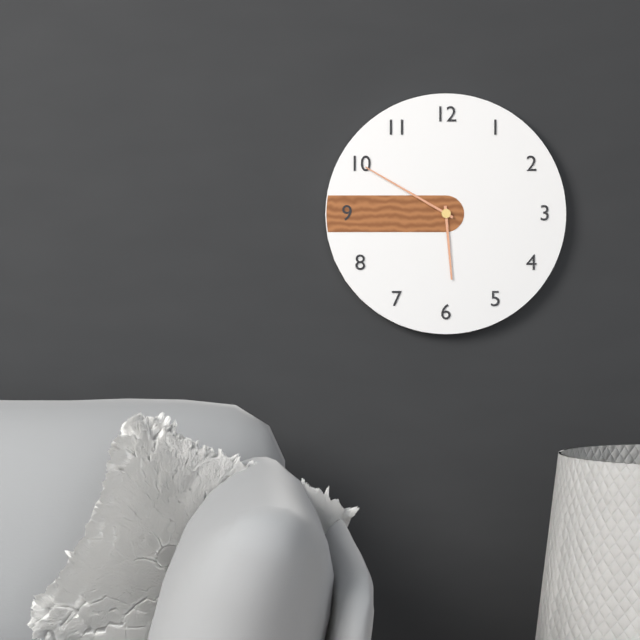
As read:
5,50
